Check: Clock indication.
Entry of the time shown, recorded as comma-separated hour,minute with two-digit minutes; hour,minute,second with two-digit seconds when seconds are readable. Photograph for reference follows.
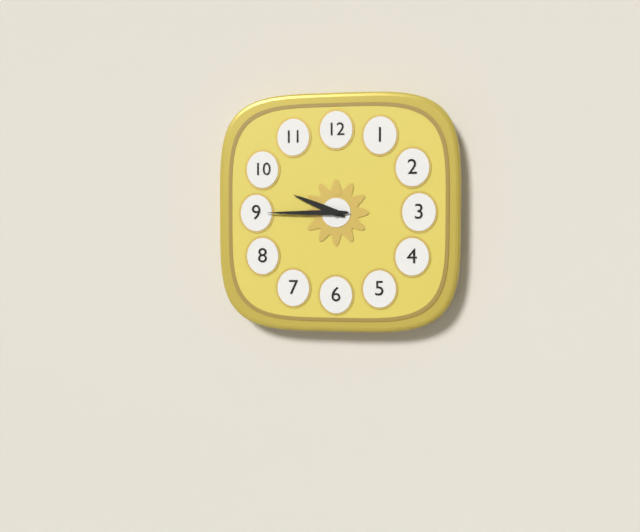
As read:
9,45
